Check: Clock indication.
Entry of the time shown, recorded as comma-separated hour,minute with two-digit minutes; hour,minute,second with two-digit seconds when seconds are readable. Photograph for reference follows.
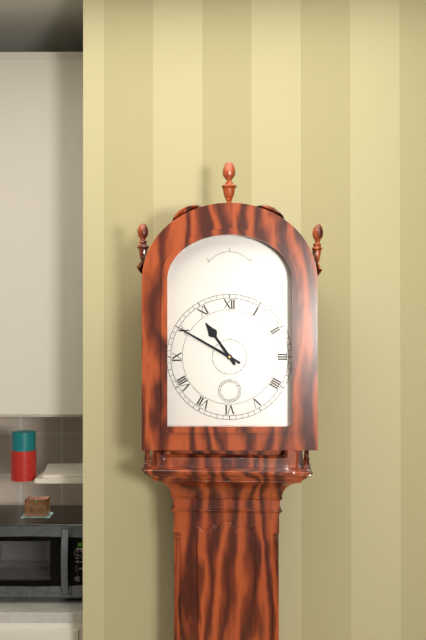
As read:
10,50
